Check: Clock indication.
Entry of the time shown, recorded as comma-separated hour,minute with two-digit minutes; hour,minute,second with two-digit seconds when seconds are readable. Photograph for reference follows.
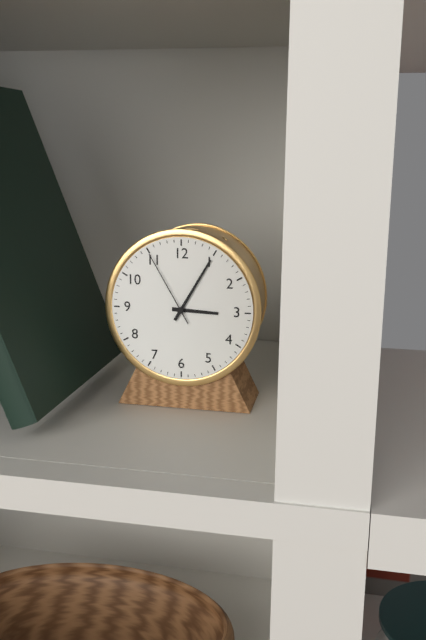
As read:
3,05,55
